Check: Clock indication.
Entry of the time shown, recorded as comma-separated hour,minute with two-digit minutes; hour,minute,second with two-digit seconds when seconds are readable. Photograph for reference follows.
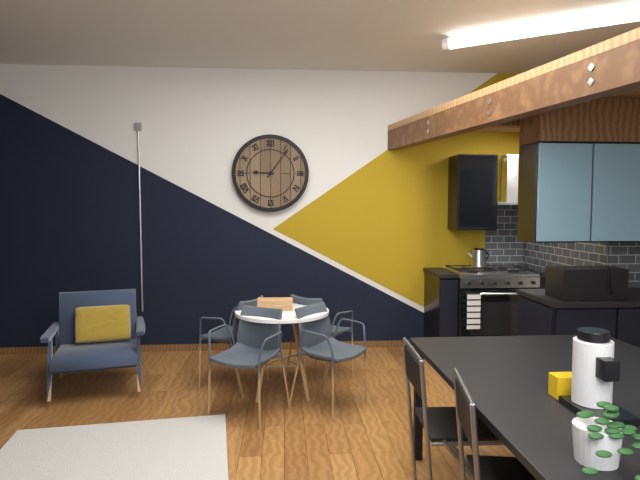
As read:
9,06
